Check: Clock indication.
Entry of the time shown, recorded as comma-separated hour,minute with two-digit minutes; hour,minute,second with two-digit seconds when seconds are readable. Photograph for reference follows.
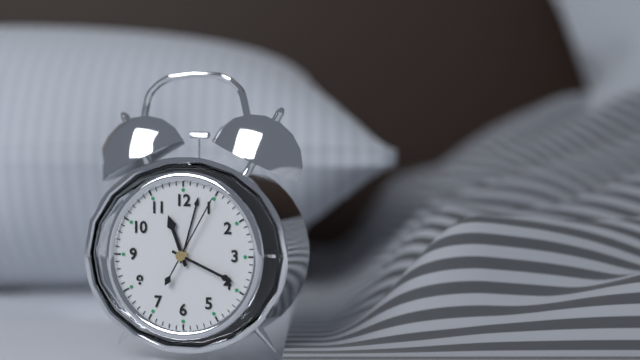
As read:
11,19,05
